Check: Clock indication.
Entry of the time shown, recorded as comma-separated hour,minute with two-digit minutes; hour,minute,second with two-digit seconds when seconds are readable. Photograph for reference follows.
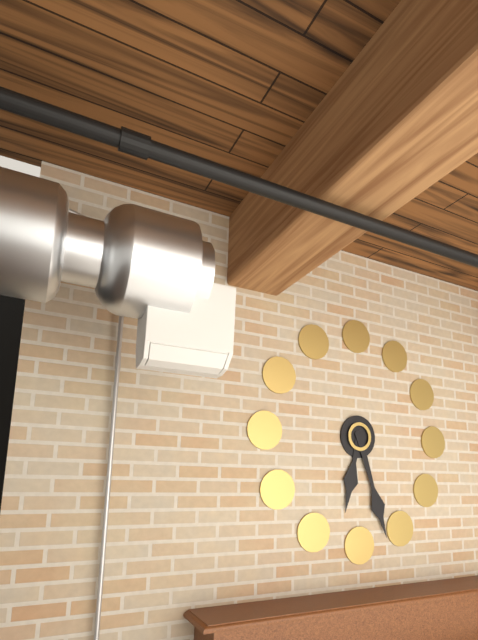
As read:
6,27
